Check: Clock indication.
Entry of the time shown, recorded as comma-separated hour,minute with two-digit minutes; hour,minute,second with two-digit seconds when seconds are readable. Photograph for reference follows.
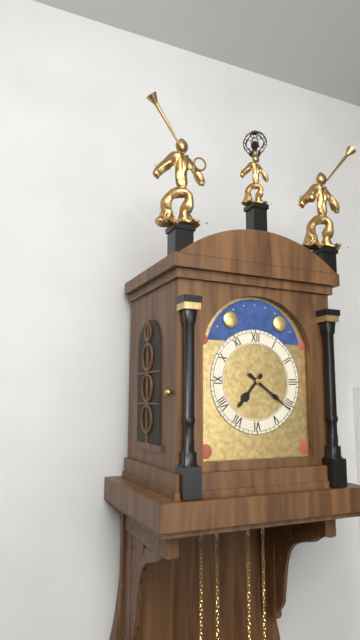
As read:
7,21
